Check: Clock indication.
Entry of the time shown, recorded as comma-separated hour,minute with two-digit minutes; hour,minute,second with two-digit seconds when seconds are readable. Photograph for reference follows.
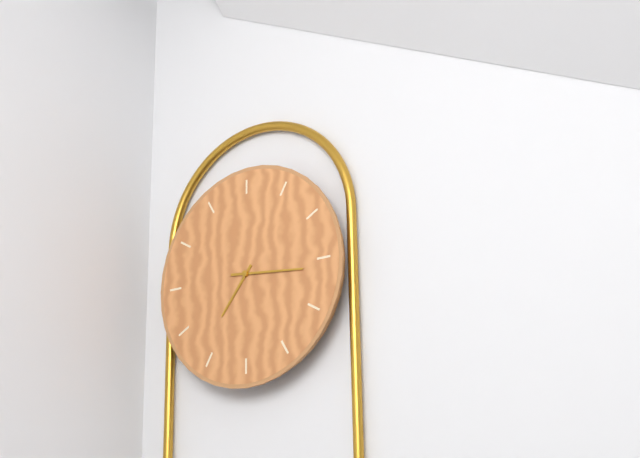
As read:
7,16
